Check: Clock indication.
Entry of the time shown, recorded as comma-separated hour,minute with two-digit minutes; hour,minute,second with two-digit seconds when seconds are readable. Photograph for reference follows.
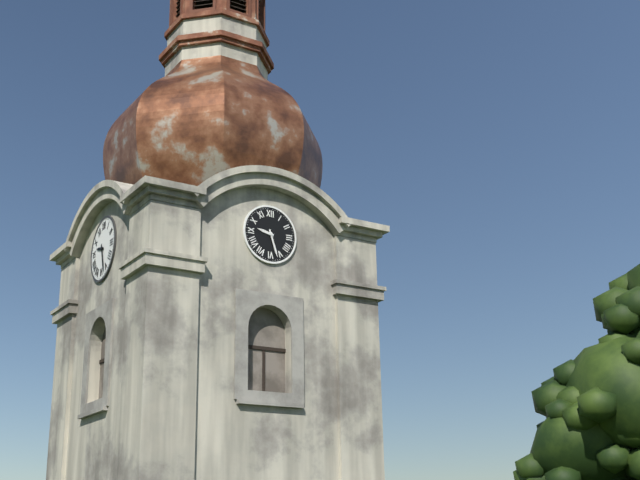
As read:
9,27
